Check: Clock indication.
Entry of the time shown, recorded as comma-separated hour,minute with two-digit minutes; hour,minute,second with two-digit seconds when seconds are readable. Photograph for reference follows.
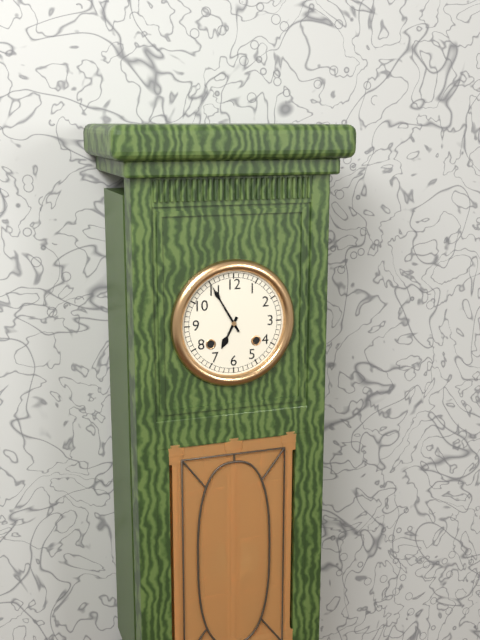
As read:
6,55
